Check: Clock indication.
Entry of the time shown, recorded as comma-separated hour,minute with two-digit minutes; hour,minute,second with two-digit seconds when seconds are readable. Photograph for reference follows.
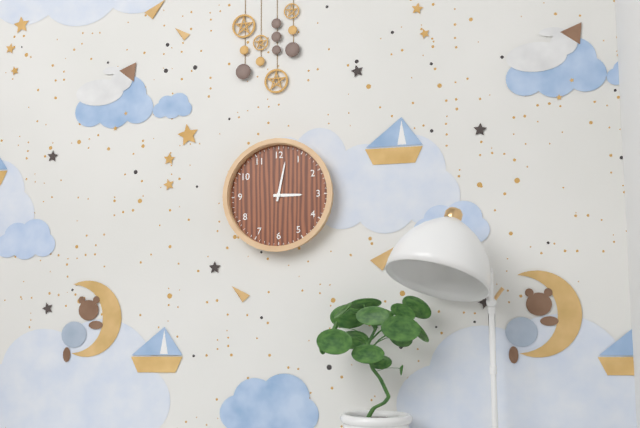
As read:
3,02
